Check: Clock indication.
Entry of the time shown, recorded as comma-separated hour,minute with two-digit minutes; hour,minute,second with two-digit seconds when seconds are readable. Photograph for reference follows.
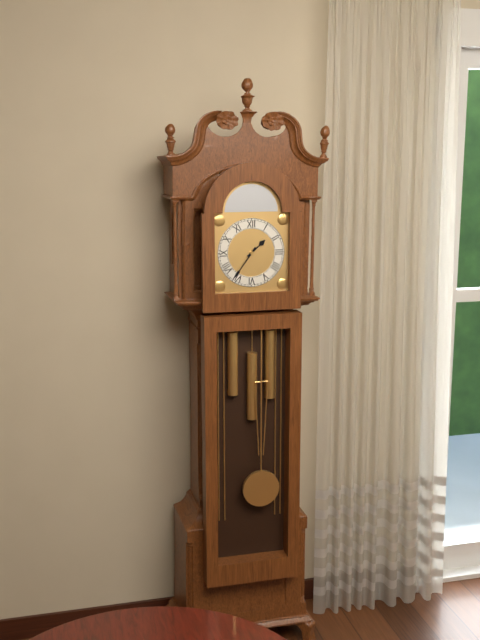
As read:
1,36
